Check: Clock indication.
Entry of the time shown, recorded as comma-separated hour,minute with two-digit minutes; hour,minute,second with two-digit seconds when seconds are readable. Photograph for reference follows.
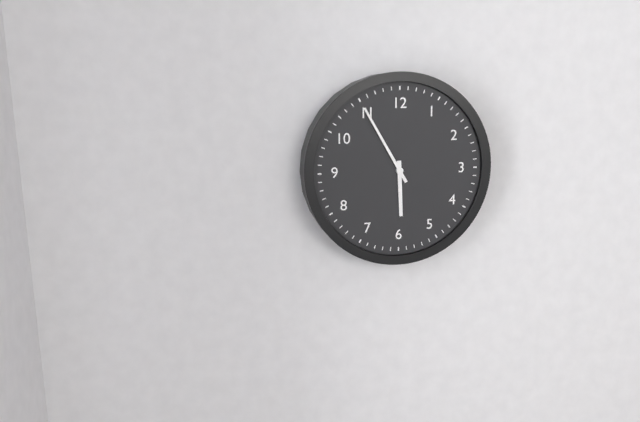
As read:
5,55
